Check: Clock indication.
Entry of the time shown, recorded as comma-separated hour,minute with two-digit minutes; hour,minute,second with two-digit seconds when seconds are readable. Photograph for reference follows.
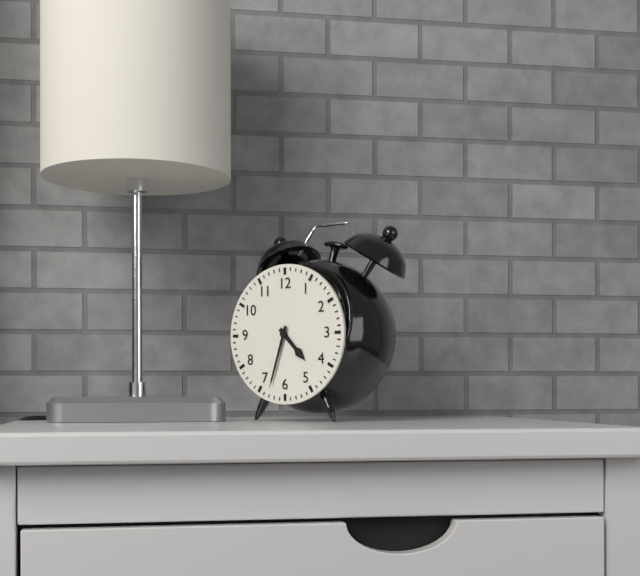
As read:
4,33
